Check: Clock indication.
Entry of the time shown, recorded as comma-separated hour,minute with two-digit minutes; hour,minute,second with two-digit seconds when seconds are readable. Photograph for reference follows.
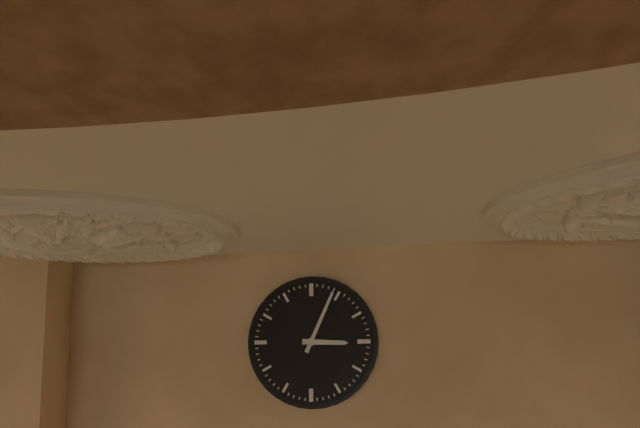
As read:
3,04
